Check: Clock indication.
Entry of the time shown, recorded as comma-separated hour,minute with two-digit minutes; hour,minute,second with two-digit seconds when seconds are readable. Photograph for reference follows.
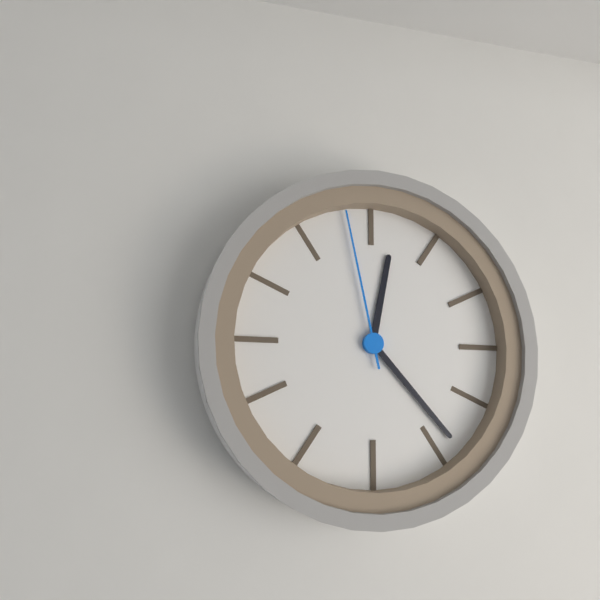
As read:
12,23,58
